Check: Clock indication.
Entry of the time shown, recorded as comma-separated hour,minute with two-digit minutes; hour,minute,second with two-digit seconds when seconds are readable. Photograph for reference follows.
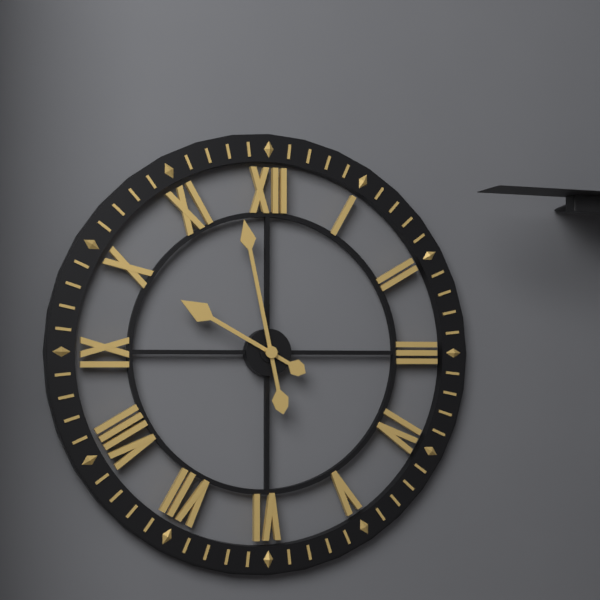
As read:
9,58
